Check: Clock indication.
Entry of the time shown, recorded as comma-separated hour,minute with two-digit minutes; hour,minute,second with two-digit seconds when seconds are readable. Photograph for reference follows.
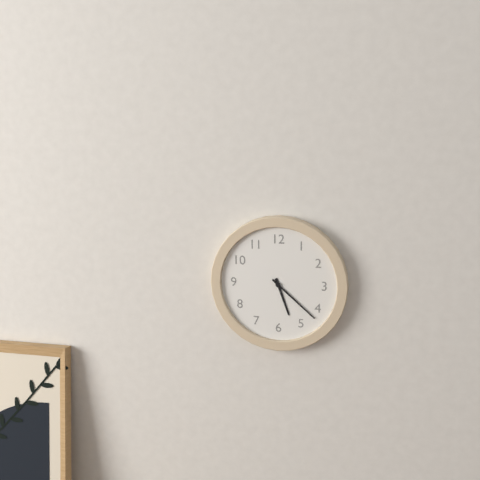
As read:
5,22
